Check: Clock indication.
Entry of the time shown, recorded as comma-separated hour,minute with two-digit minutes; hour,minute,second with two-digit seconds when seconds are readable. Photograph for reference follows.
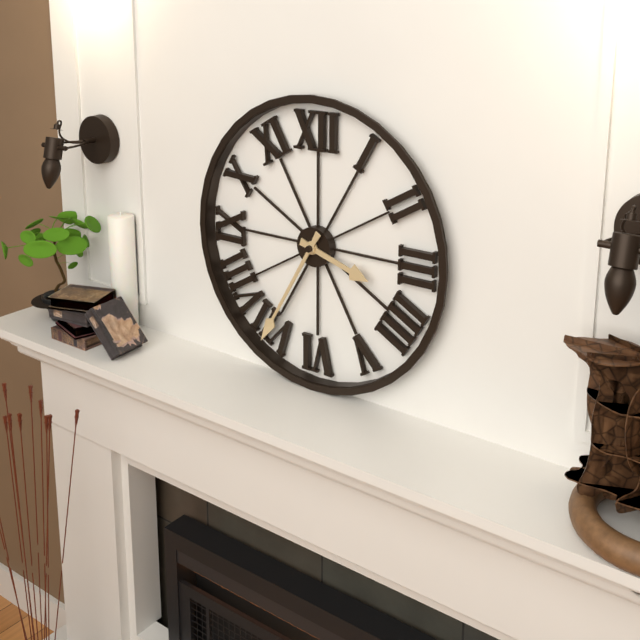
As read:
3,35
